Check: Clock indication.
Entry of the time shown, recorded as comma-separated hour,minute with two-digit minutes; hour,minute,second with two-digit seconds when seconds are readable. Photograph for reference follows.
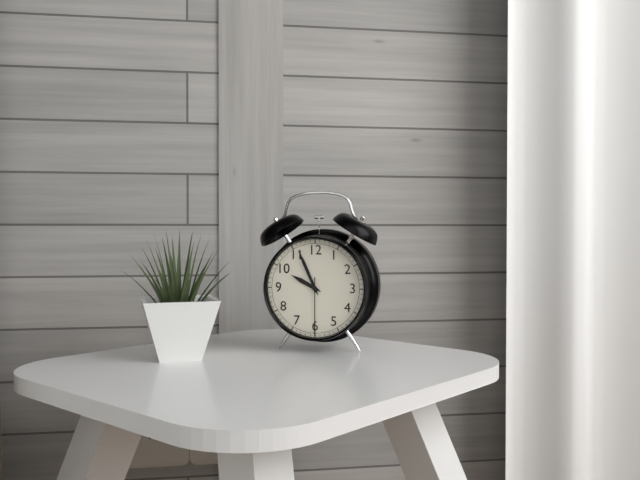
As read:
9,56,30
